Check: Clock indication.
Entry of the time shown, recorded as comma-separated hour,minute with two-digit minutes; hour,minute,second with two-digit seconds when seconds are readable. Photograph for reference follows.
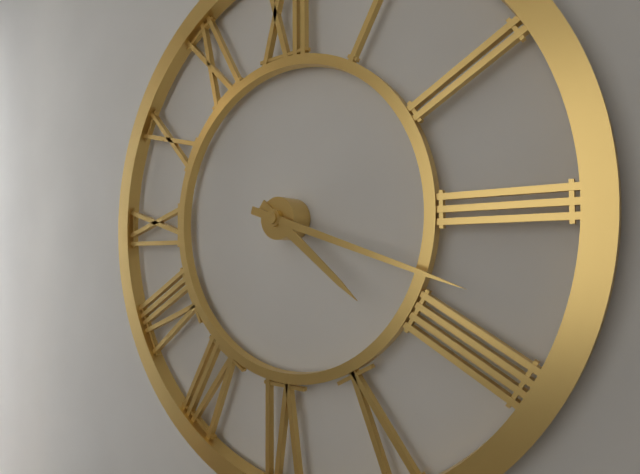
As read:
4,18
